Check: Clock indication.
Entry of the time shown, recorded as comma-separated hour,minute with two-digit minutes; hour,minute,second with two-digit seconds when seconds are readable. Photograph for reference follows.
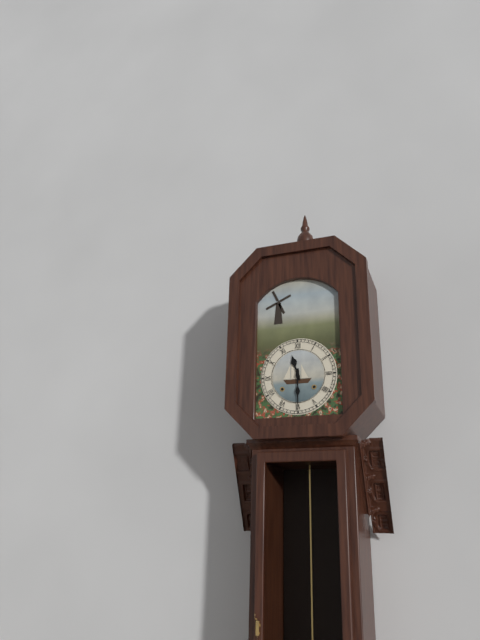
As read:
11,30
